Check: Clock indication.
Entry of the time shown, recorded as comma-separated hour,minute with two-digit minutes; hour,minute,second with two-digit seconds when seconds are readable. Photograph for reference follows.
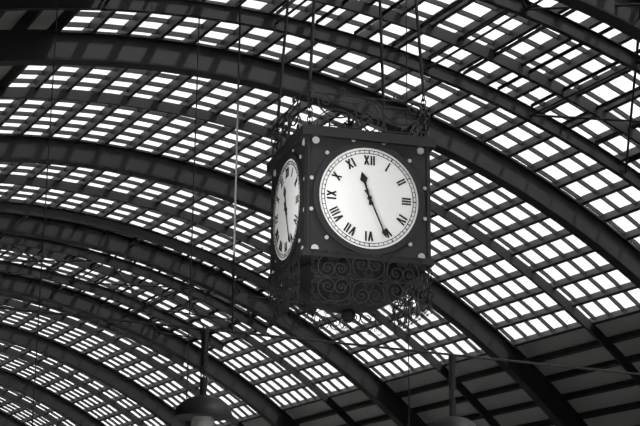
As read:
11,26
